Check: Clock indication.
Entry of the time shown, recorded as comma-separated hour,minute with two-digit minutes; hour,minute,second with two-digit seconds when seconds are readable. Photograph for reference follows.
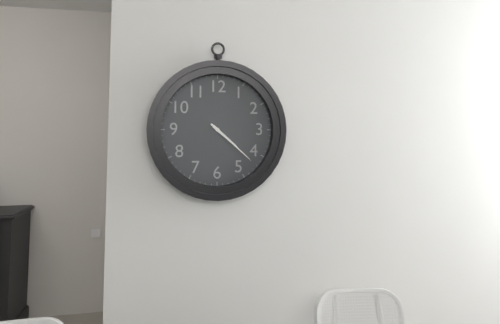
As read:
4,22
